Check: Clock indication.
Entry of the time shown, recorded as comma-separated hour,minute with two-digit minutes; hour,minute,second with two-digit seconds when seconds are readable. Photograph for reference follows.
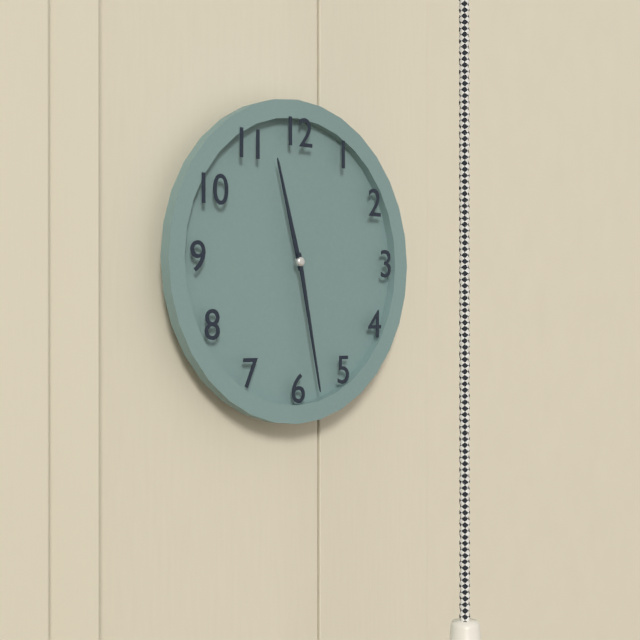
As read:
11,28
